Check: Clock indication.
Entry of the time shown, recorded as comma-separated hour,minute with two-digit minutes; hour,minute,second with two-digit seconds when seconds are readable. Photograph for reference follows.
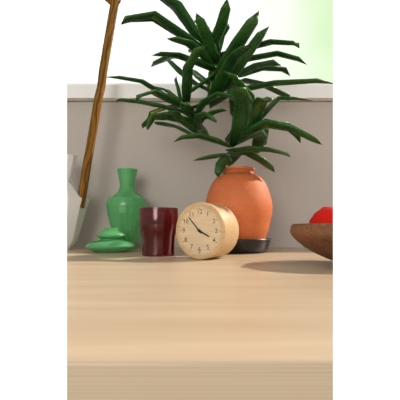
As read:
3,53
